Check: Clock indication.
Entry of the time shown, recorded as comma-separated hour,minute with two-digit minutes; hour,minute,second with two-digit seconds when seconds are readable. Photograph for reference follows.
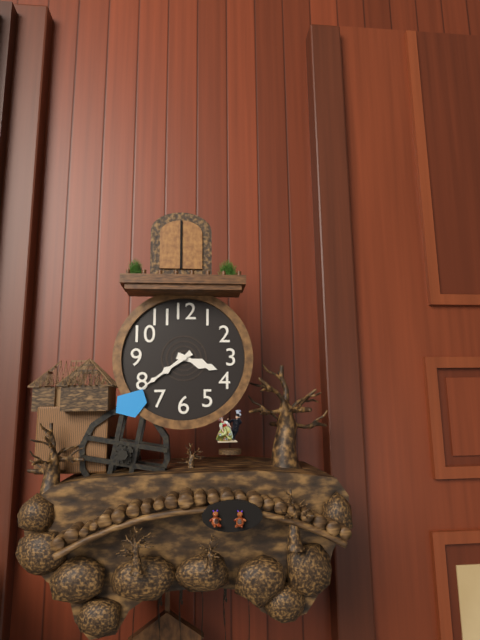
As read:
3,39
